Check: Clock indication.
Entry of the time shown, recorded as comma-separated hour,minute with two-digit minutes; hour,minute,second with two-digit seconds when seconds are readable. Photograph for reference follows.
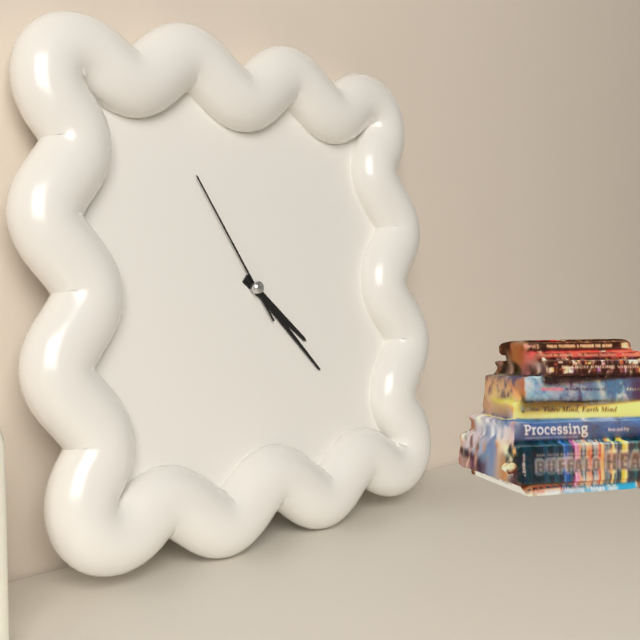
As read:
4,23,55
